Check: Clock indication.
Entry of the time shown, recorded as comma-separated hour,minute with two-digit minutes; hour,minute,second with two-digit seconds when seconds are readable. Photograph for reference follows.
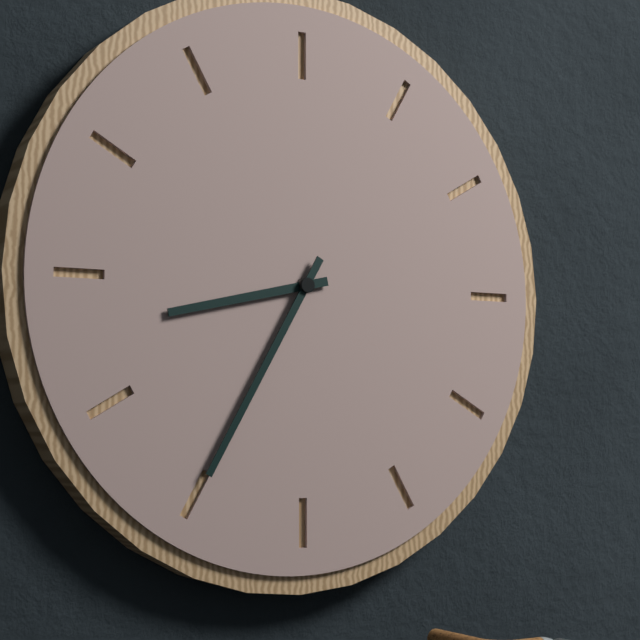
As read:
8,35
